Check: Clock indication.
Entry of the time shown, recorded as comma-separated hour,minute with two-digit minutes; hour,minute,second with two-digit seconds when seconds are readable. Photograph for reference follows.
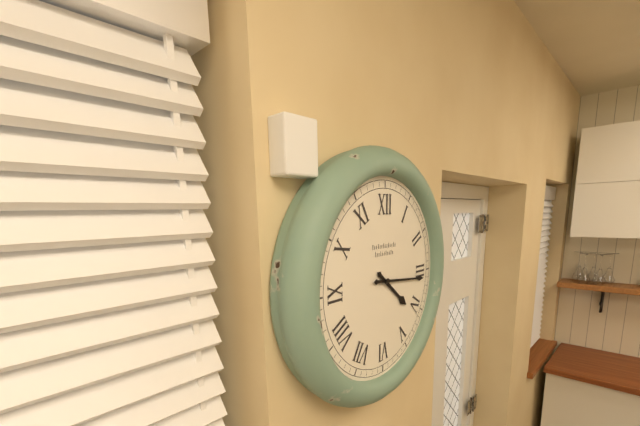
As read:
4,16
